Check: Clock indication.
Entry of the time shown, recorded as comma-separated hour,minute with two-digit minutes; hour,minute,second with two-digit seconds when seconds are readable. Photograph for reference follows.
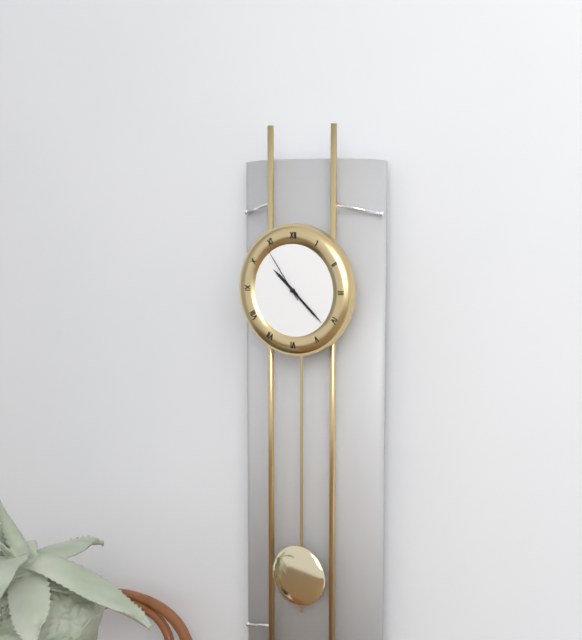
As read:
10,22,54
